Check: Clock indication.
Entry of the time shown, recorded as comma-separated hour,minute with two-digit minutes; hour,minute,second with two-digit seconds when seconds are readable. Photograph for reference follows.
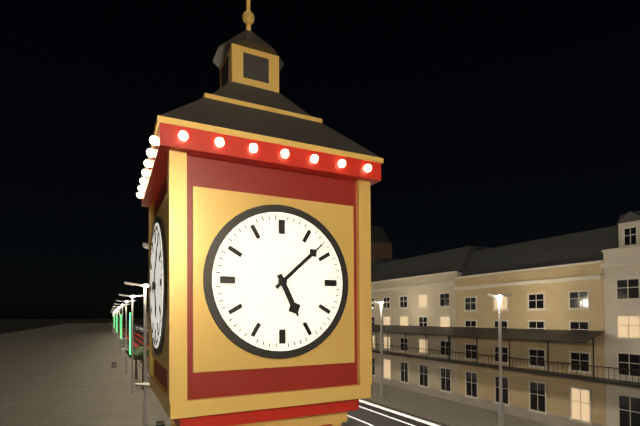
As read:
5,08
